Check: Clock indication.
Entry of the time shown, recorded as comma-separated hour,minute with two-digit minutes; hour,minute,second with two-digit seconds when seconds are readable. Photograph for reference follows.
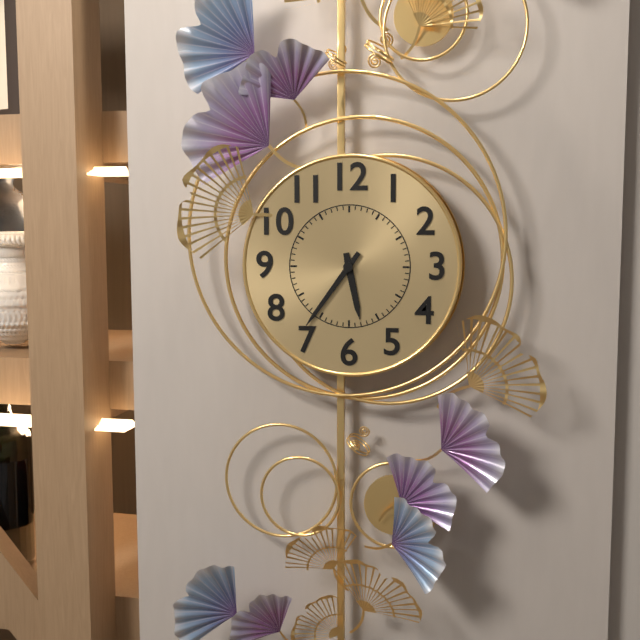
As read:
5,36
